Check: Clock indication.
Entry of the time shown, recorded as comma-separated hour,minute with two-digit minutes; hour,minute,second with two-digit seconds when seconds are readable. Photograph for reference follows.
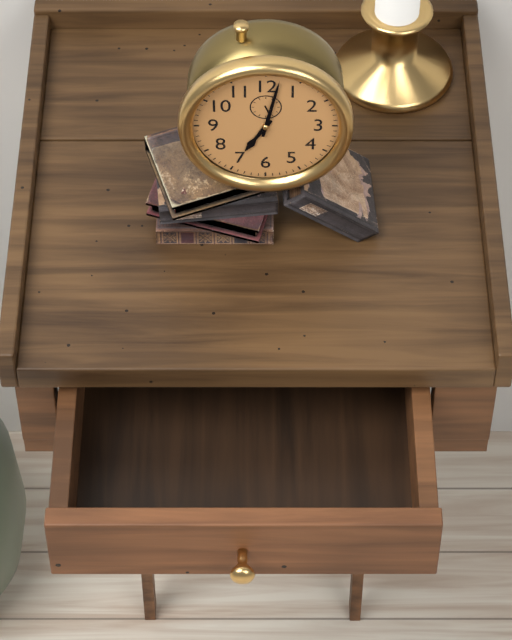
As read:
7,02
